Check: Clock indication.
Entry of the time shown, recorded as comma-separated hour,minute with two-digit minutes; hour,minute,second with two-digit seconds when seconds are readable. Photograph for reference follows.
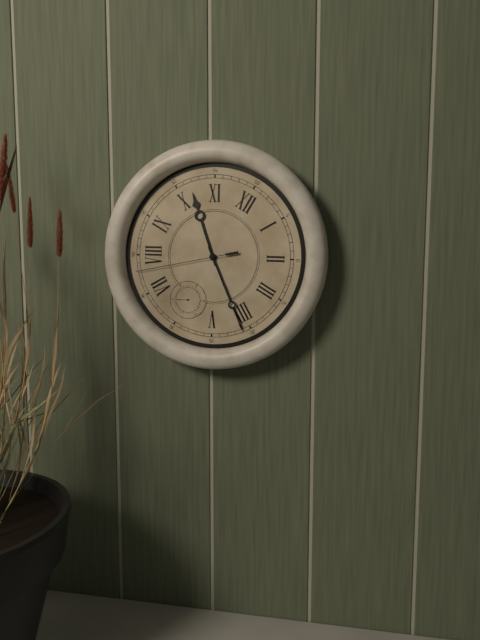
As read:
10,21,38
